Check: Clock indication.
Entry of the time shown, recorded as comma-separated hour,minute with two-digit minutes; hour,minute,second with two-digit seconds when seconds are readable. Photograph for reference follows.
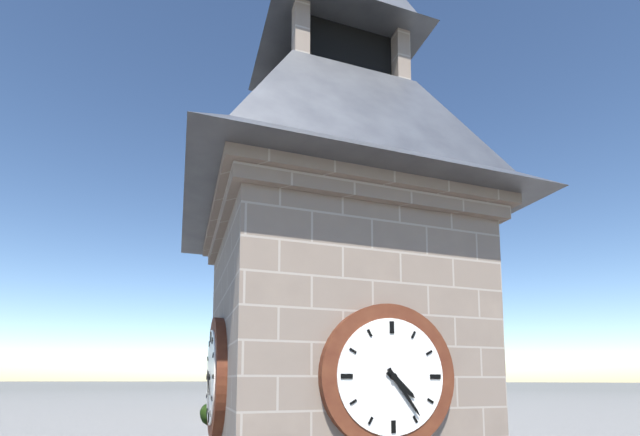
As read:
4,24
